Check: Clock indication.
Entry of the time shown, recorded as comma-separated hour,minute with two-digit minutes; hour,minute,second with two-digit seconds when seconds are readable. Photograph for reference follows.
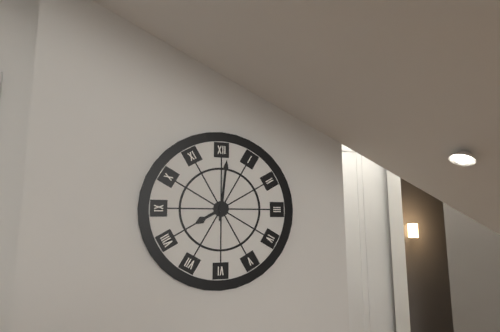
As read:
8,01
